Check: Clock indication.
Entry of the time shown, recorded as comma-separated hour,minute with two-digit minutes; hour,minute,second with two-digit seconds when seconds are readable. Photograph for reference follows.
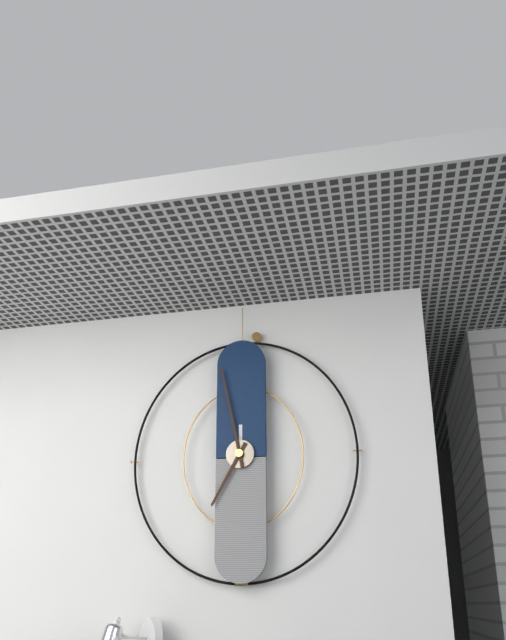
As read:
6,58
